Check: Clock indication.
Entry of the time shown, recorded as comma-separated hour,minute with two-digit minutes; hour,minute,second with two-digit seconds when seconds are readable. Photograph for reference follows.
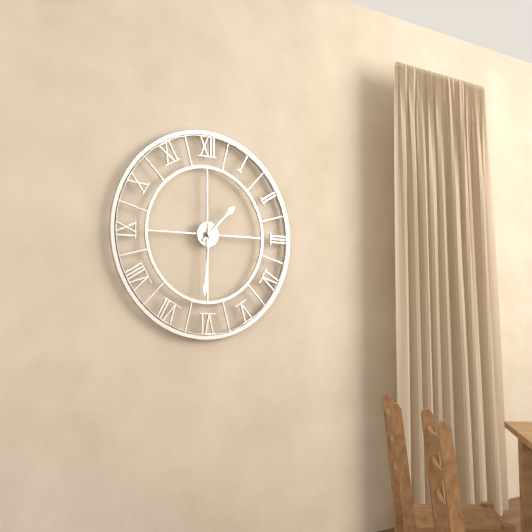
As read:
1,31
